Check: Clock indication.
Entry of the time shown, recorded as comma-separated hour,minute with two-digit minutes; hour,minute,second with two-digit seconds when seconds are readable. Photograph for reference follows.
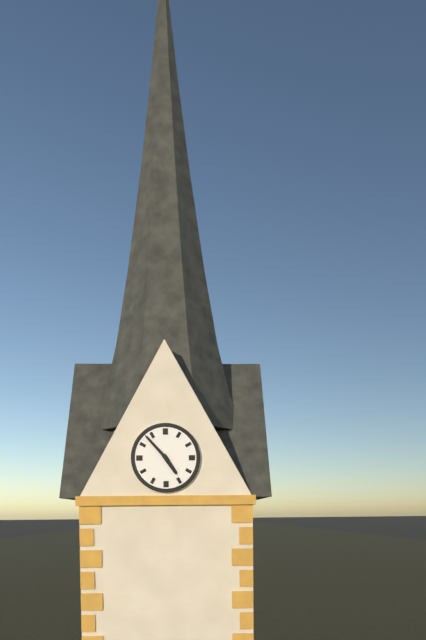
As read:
4,53
